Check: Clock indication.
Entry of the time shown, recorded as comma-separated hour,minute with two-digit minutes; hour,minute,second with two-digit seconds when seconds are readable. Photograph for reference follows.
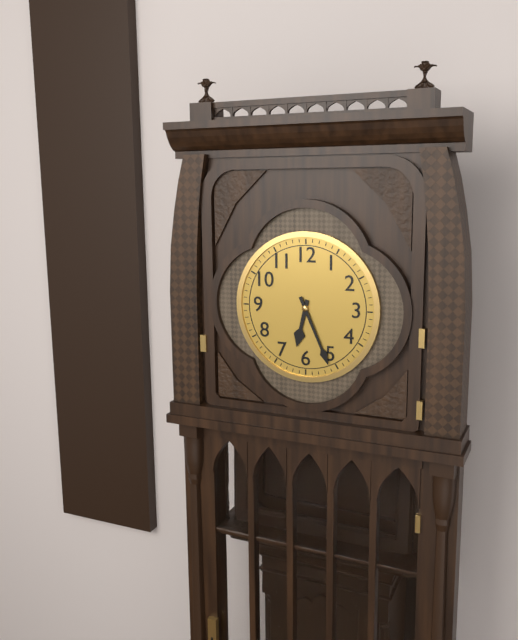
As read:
6,26
